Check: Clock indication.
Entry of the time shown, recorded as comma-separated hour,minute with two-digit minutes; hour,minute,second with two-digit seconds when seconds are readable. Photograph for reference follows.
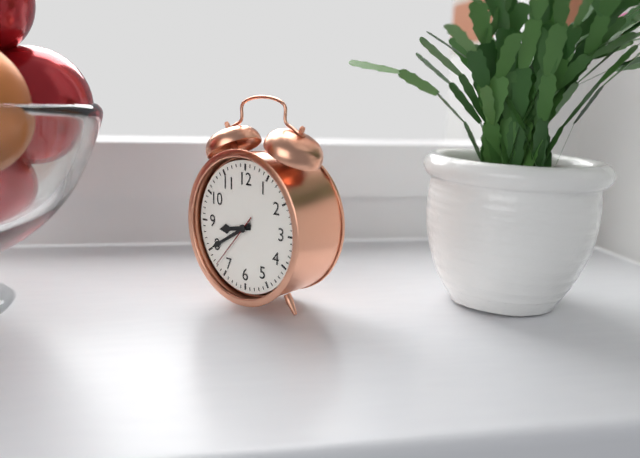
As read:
8,40,37
